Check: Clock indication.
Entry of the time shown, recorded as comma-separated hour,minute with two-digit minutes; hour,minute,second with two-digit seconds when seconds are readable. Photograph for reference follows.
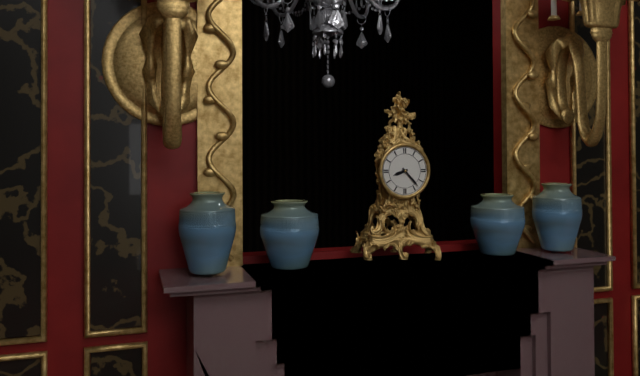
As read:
8,23
